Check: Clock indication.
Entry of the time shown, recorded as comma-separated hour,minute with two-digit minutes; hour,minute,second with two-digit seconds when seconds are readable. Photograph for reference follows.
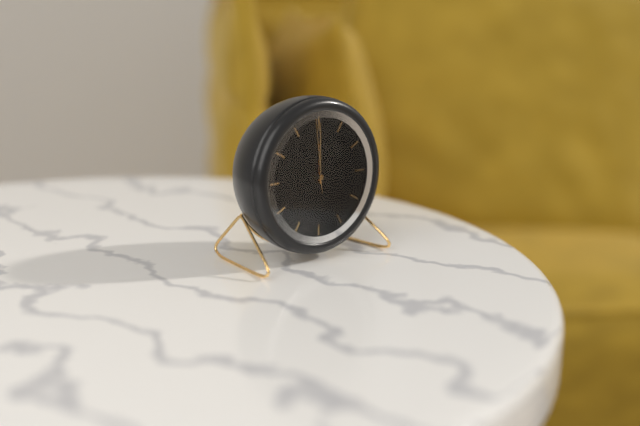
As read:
12,00,59
